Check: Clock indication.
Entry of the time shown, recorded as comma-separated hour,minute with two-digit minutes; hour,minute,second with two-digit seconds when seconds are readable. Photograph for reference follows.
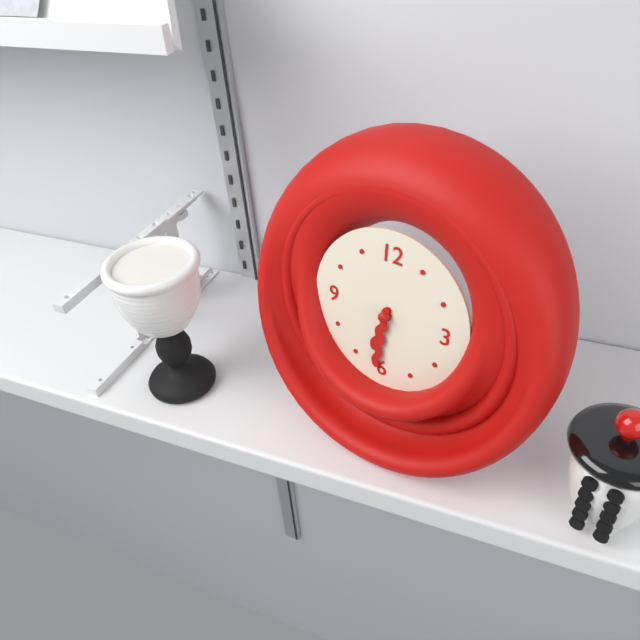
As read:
6,31
